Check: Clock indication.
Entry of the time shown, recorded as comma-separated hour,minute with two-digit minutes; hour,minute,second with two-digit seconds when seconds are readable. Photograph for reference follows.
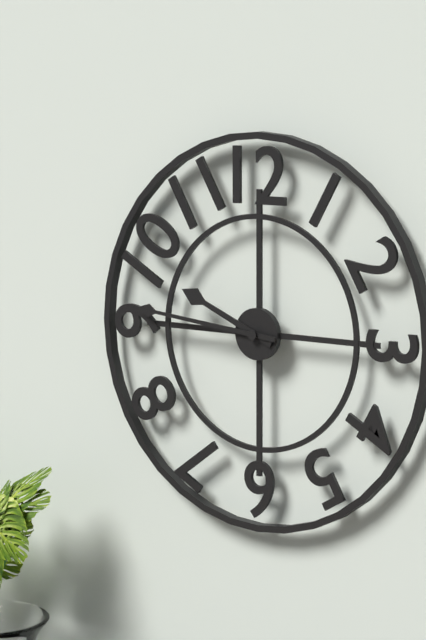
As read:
9,46
